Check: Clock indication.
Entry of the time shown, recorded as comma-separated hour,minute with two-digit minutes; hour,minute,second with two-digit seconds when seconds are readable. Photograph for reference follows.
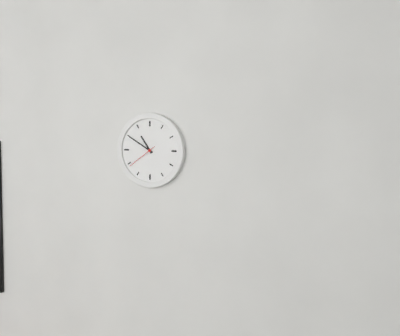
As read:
10,50
